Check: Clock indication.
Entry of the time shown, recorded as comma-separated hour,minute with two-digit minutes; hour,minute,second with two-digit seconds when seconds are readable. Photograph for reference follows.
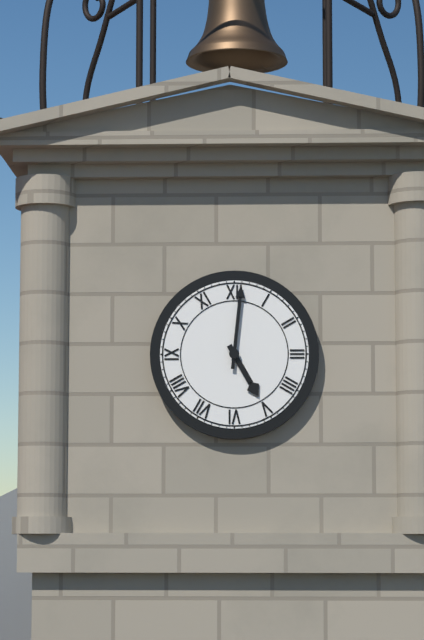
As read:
5,01
